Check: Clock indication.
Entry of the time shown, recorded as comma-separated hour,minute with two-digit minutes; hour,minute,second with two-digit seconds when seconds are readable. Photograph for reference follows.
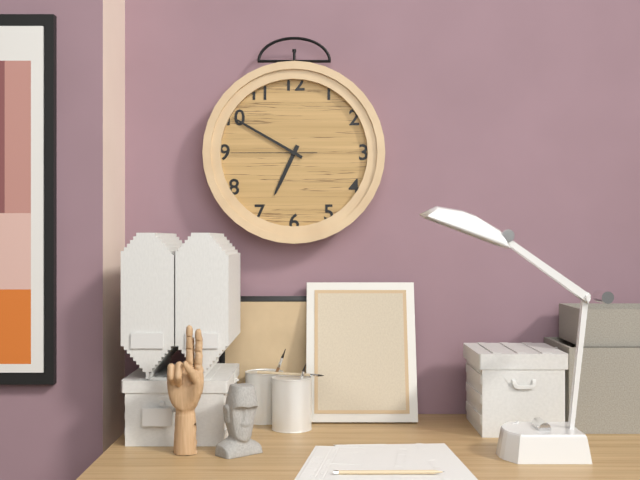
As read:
6,50,45
